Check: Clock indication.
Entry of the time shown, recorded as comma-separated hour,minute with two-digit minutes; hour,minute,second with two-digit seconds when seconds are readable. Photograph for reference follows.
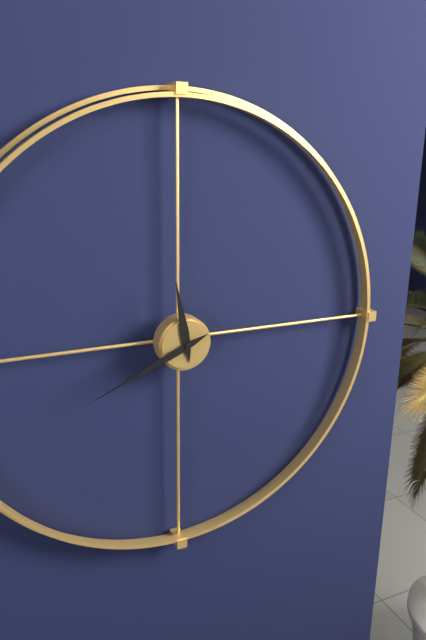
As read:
11,41
